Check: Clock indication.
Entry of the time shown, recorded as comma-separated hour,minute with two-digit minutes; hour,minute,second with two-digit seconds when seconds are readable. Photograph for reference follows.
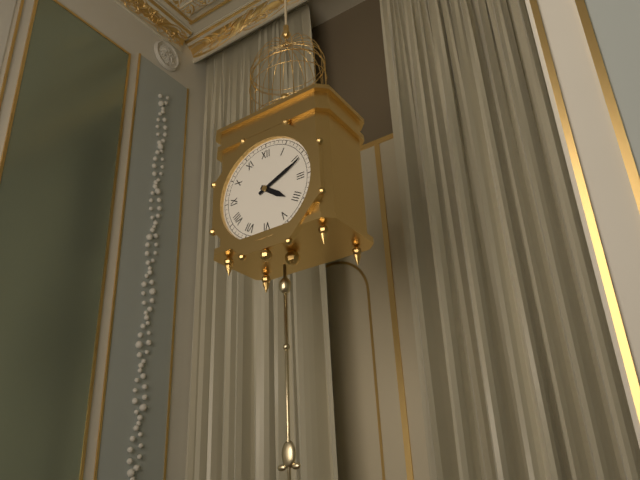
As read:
4,11
